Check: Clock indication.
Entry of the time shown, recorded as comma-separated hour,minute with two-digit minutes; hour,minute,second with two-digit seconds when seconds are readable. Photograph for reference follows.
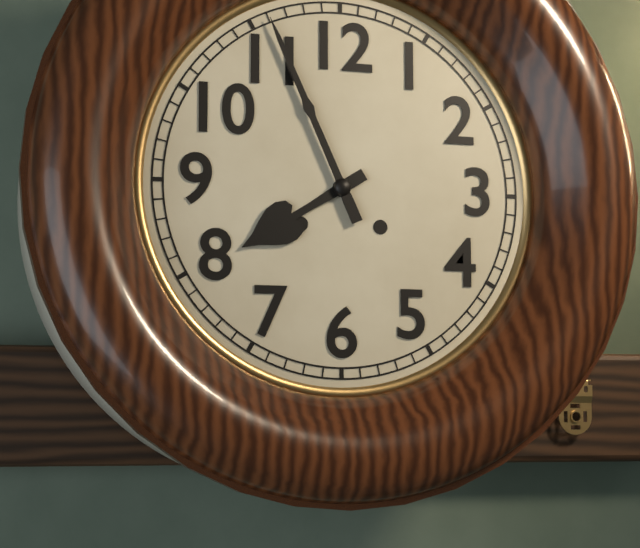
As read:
7,56
